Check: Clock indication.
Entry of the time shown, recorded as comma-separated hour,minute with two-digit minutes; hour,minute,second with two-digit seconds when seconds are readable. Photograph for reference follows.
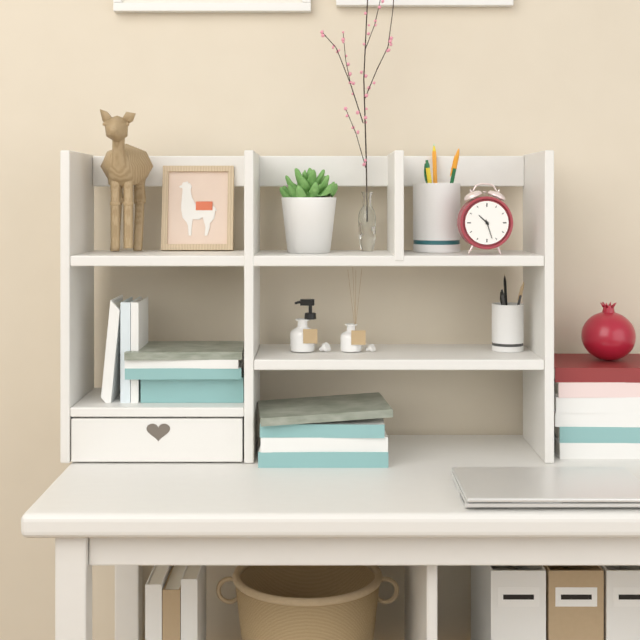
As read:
10,27
